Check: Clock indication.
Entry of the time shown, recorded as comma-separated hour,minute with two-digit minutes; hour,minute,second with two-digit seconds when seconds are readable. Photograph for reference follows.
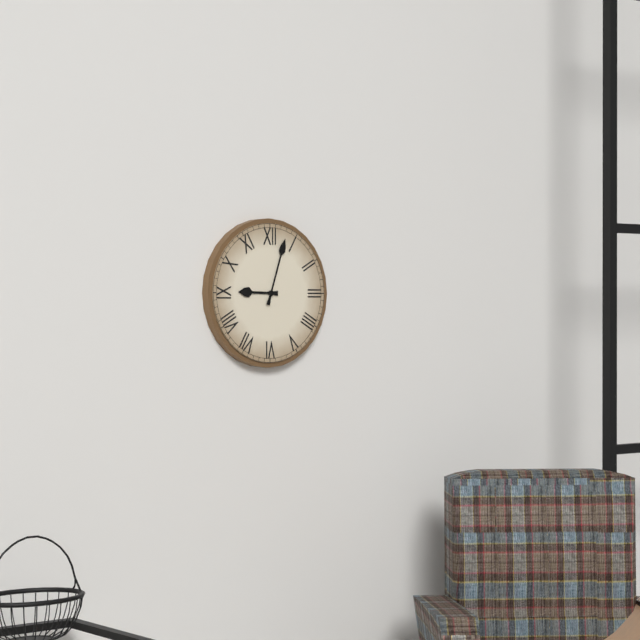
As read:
9,03
